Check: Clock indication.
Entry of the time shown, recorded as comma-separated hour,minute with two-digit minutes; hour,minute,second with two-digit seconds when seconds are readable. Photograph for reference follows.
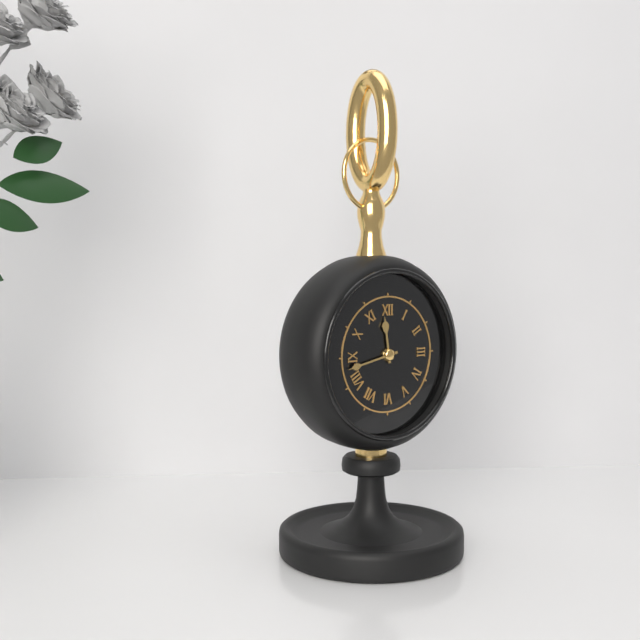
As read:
11,43
